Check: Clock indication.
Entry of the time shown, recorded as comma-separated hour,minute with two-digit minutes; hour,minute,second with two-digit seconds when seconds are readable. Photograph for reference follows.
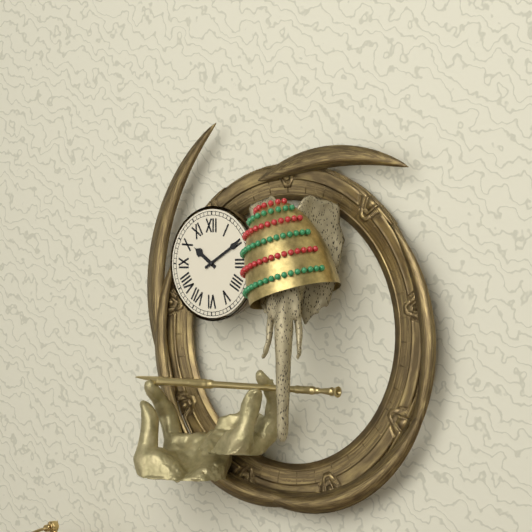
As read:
10,10
